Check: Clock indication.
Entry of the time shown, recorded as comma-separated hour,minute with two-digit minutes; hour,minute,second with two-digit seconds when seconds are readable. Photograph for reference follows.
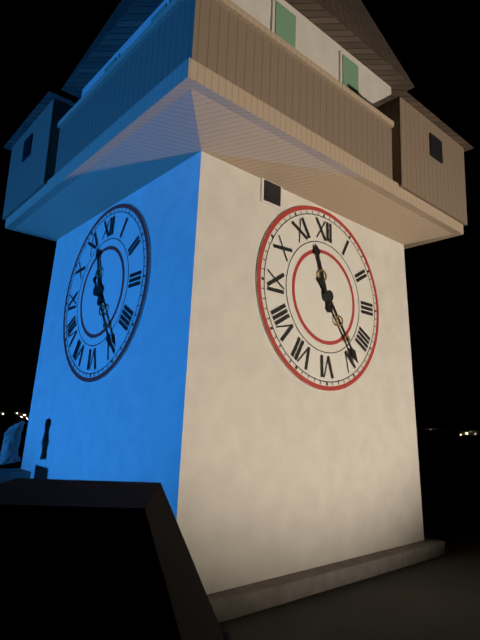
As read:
11,24
